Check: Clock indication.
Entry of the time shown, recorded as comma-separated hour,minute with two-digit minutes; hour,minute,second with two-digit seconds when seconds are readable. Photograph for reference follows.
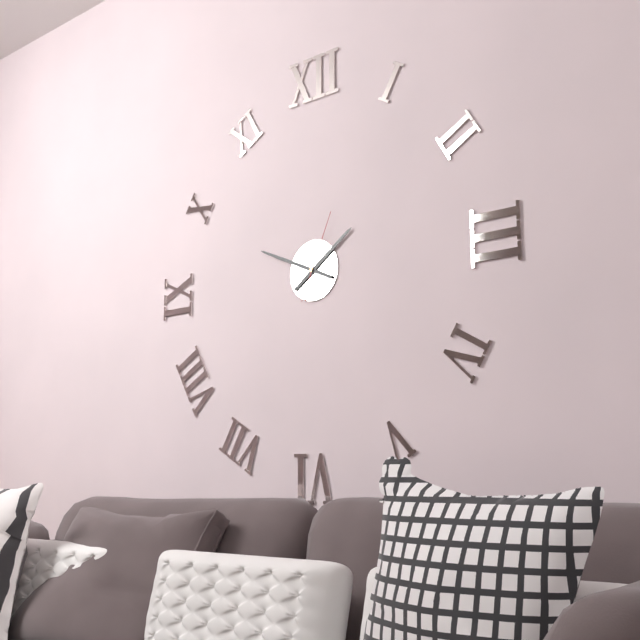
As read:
1,49,04
